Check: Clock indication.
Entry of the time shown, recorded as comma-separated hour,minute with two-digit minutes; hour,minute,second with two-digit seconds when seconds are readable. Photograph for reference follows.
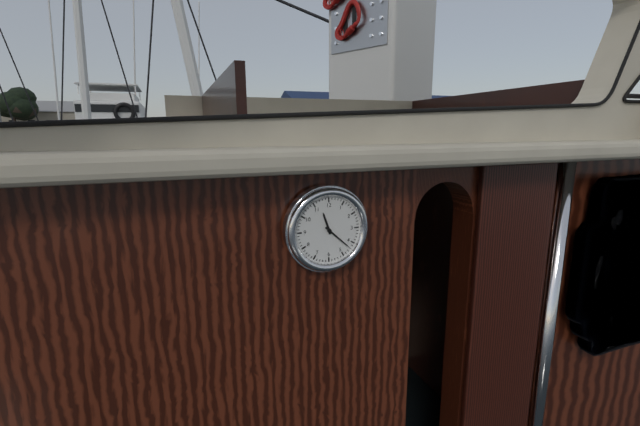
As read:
11,22
